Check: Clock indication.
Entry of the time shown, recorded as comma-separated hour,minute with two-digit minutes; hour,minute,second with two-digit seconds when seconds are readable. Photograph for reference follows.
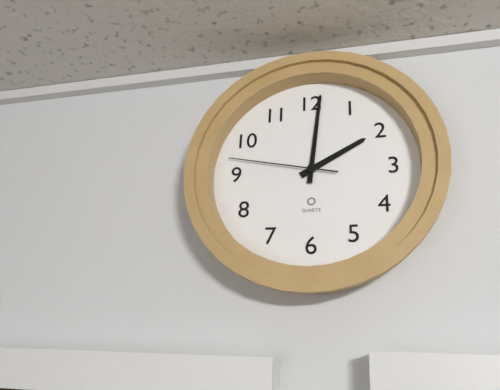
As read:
2,01,47
